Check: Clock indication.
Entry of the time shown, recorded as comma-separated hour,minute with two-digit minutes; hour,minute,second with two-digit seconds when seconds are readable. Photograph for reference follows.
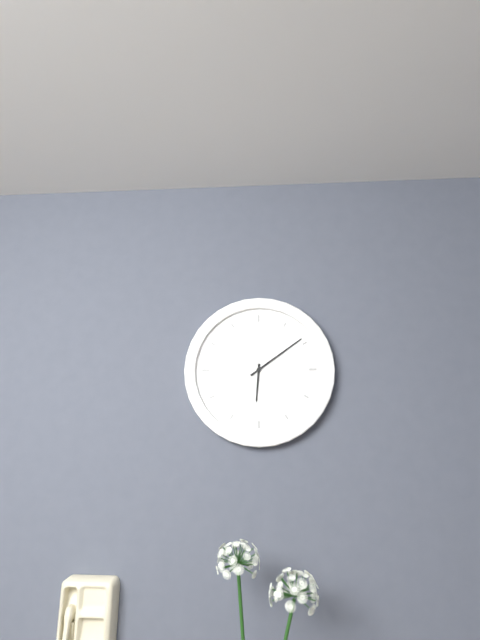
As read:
6,09
